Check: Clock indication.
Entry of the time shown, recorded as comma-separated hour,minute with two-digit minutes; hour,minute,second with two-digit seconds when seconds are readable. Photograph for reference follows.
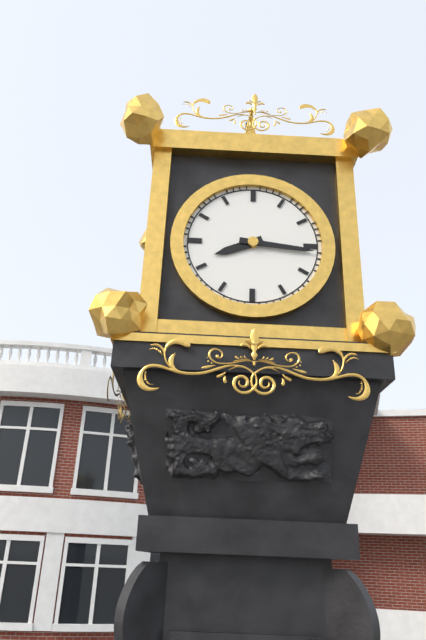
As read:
8,16
